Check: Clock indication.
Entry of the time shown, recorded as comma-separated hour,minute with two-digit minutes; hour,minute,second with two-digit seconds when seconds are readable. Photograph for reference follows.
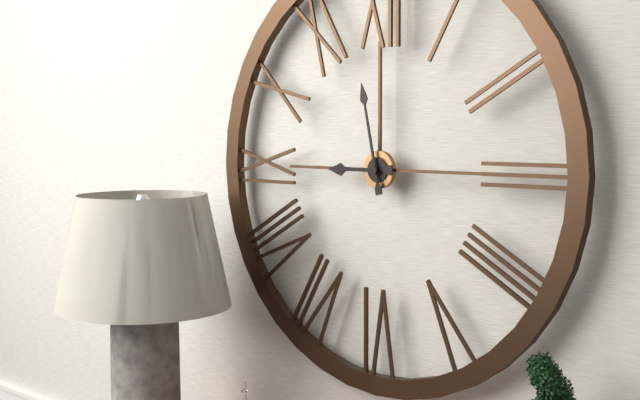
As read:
8,58
